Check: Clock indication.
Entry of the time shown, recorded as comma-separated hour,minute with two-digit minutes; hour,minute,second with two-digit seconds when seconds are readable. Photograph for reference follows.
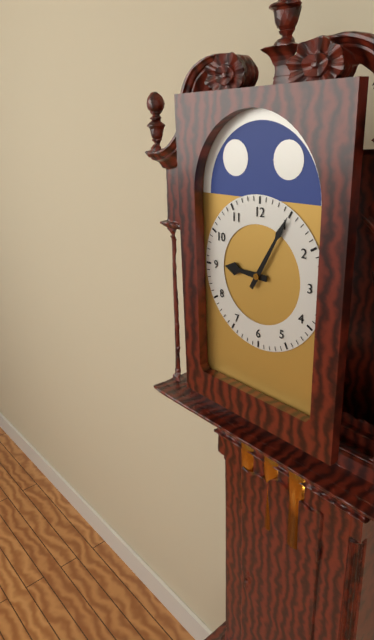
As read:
9,05
